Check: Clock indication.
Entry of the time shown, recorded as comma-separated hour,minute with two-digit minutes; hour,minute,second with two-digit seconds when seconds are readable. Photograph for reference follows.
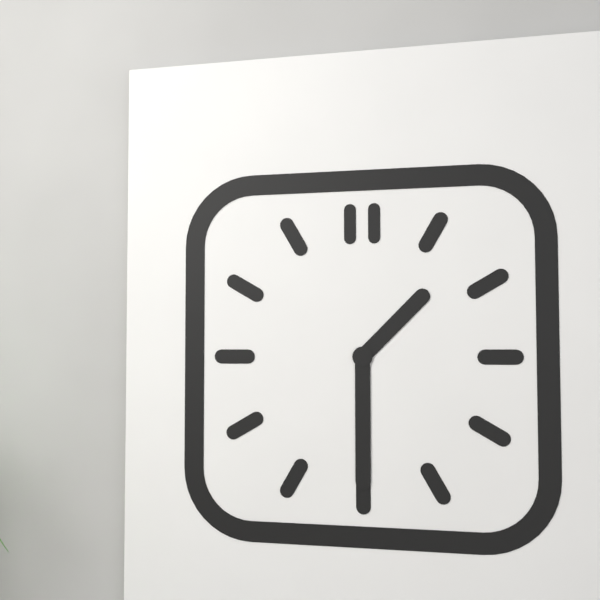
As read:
1,30
